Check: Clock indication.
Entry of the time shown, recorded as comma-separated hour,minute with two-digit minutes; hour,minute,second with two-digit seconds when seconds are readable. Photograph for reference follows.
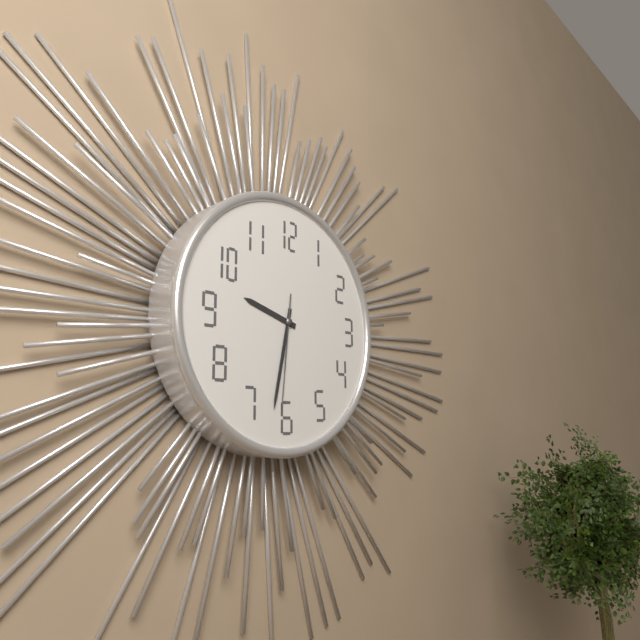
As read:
9,32,31
